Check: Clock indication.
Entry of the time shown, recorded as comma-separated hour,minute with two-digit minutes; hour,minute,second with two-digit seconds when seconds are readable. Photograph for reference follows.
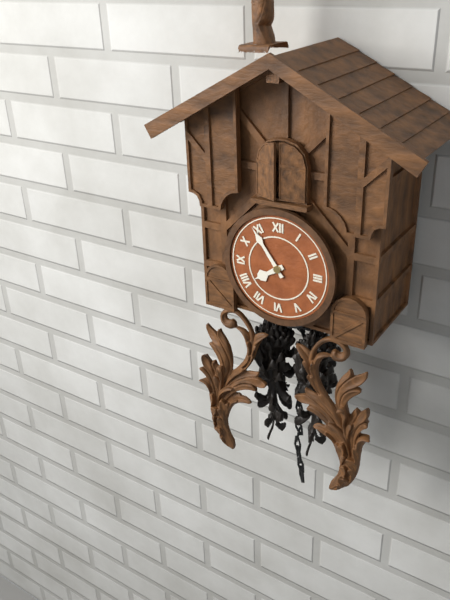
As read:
7,54
